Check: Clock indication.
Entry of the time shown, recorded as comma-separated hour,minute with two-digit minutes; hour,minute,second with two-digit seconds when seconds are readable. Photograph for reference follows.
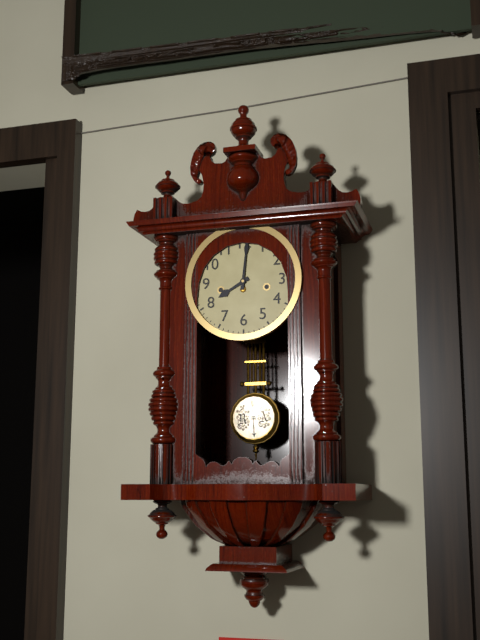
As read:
8,01
